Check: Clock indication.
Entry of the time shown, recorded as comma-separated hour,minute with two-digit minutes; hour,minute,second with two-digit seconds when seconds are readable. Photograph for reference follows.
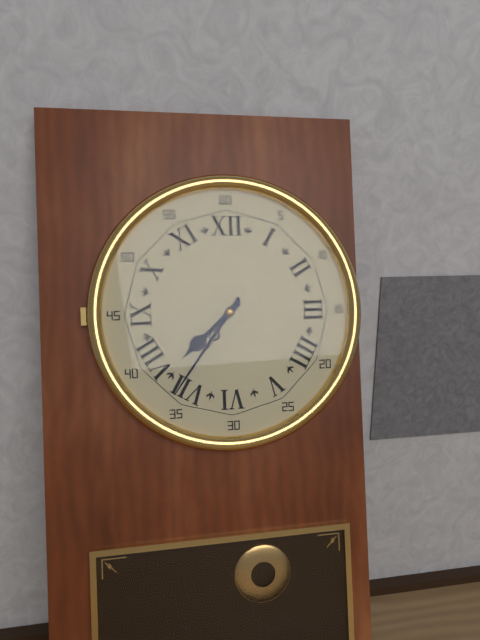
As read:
7,36
